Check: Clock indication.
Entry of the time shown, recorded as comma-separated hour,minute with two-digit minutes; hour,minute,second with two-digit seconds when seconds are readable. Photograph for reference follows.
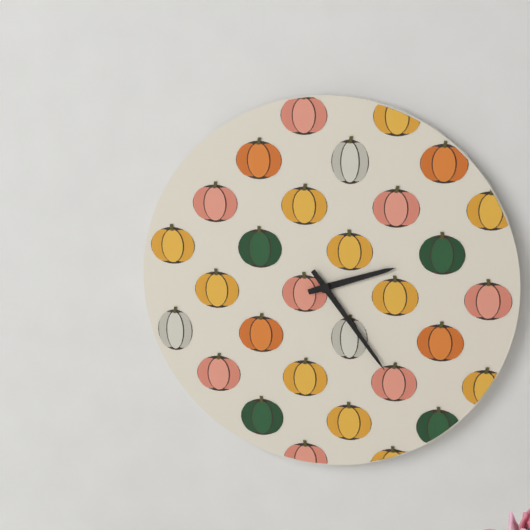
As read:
2,24
